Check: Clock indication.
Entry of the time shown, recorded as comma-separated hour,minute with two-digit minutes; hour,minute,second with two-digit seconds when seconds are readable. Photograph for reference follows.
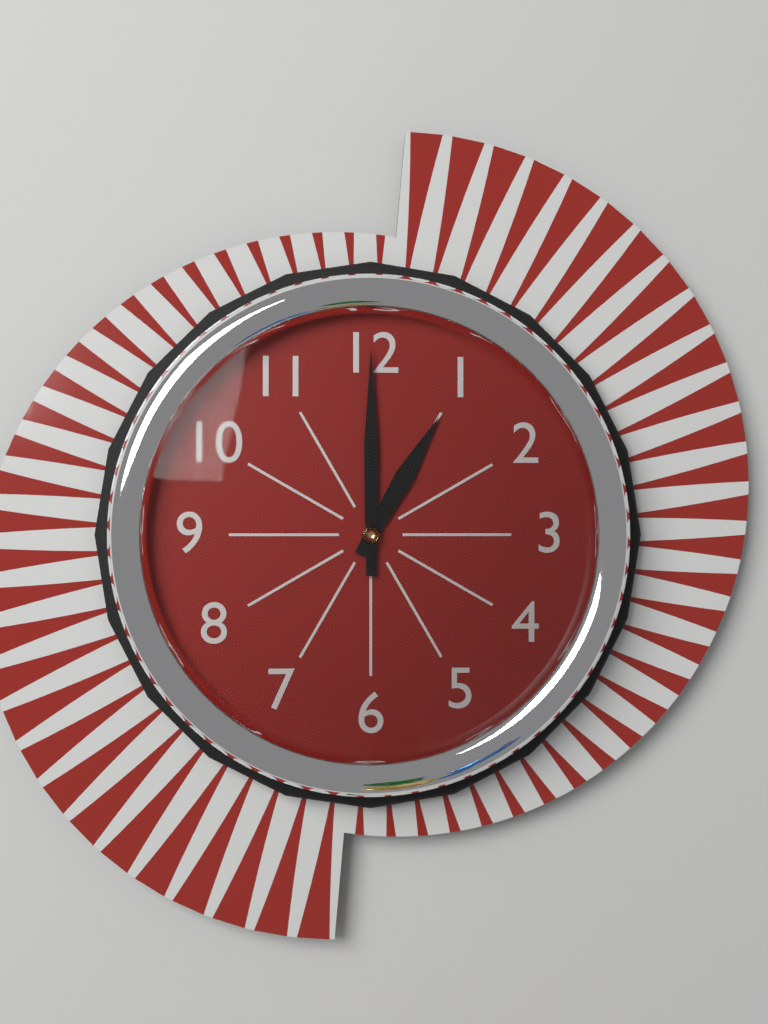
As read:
1,00
